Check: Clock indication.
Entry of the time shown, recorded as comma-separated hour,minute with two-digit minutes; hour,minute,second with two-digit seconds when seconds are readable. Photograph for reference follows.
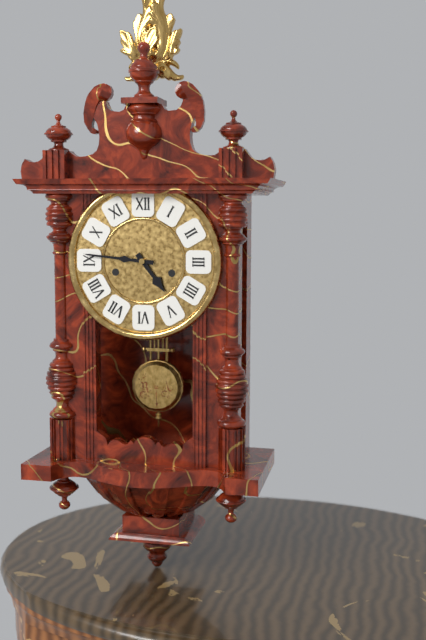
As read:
4,46
